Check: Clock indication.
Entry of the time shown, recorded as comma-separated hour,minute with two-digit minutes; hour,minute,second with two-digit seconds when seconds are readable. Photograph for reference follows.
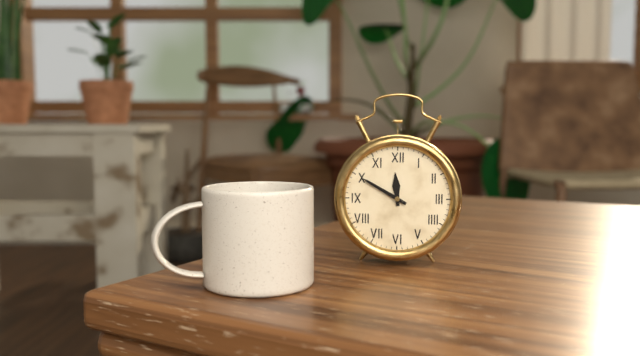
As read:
11,50
